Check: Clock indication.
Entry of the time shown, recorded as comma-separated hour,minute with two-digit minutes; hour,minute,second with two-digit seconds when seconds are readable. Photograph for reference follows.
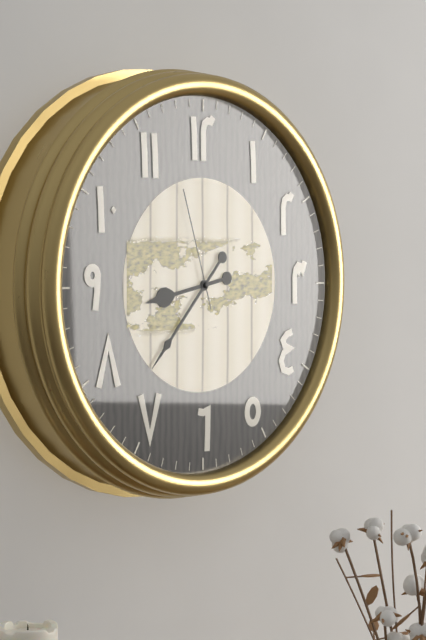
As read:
8,37,57
